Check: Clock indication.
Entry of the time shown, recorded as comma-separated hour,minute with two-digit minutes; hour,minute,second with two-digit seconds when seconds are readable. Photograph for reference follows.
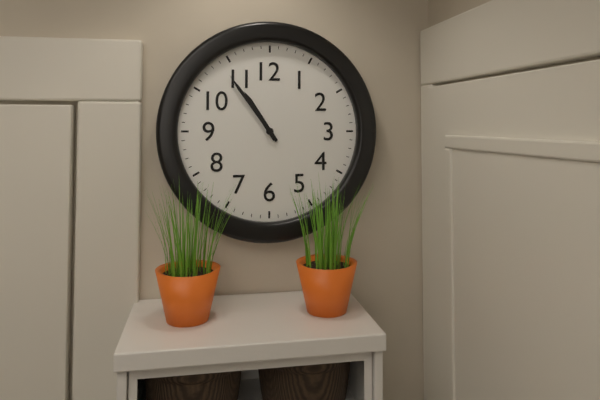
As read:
10,54
